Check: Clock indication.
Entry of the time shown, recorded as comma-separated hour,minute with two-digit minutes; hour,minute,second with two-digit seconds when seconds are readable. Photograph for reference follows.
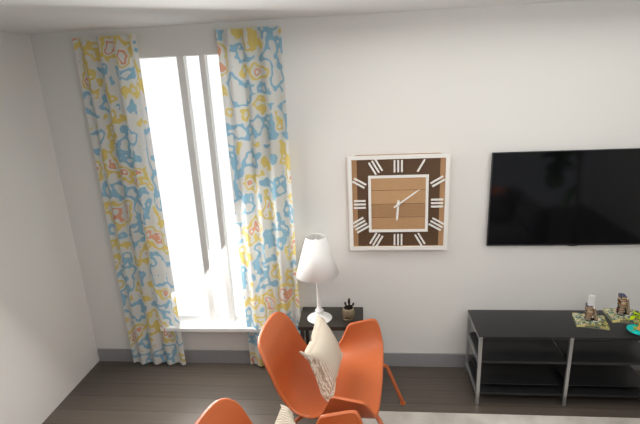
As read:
6,09
